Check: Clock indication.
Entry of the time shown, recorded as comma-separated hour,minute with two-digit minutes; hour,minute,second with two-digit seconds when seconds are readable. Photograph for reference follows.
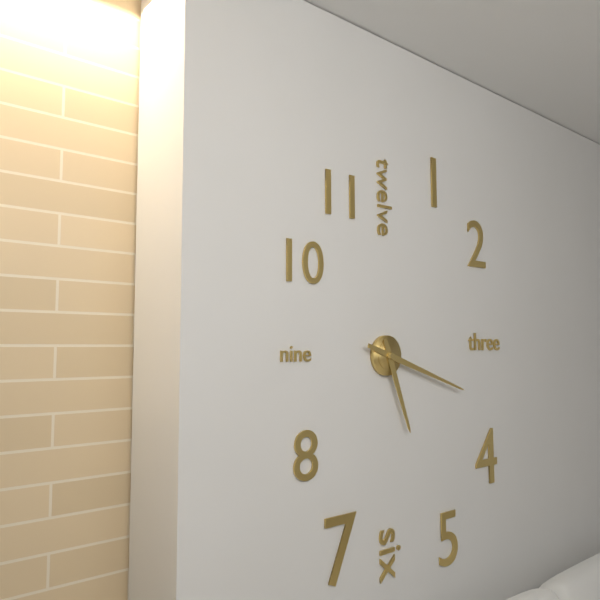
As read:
5,18
